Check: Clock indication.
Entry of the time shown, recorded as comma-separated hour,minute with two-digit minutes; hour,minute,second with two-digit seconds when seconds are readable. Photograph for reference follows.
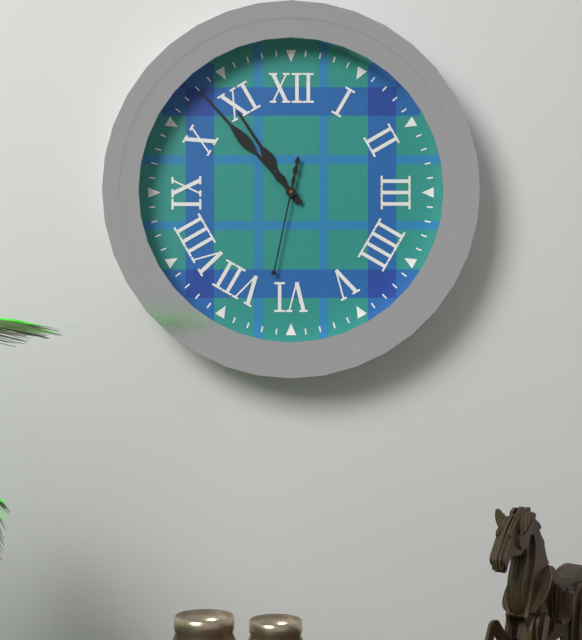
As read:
10,53,32
